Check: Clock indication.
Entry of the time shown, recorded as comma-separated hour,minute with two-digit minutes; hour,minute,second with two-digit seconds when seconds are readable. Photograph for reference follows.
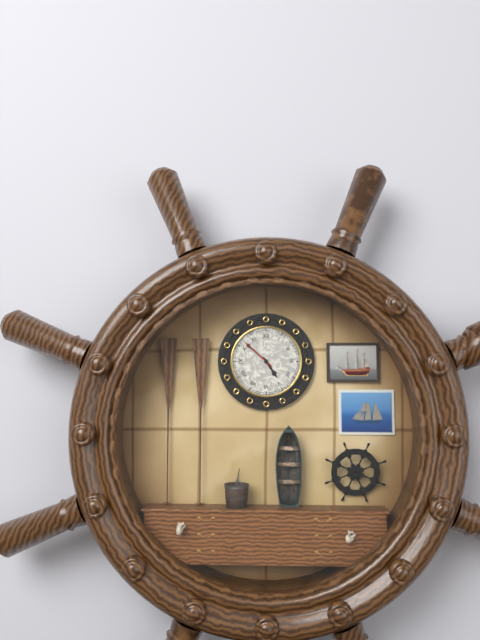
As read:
4,52
